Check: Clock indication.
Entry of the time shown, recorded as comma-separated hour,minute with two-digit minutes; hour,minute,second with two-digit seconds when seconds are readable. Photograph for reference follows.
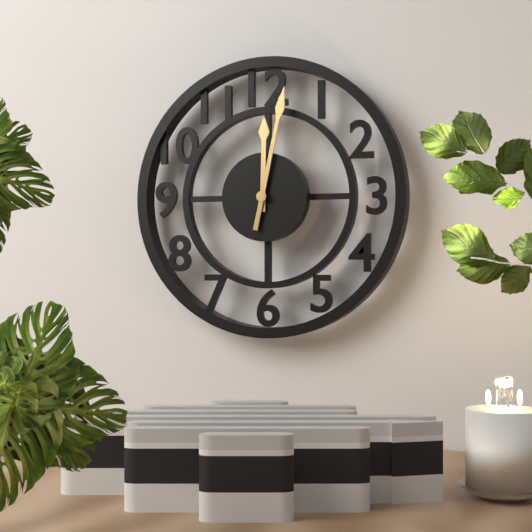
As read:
12,02
